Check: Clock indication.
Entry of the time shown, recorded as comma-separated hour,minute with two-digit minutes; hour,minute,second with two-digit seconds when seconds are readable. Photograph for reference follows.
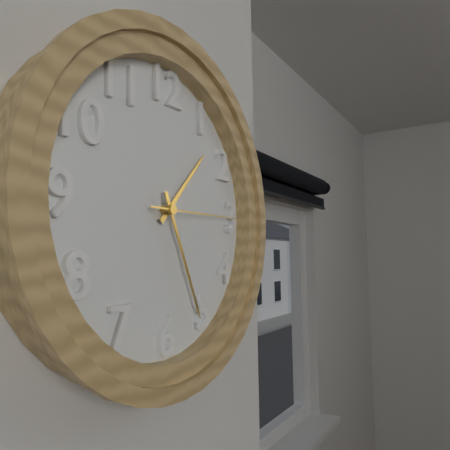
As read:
1,26,15
